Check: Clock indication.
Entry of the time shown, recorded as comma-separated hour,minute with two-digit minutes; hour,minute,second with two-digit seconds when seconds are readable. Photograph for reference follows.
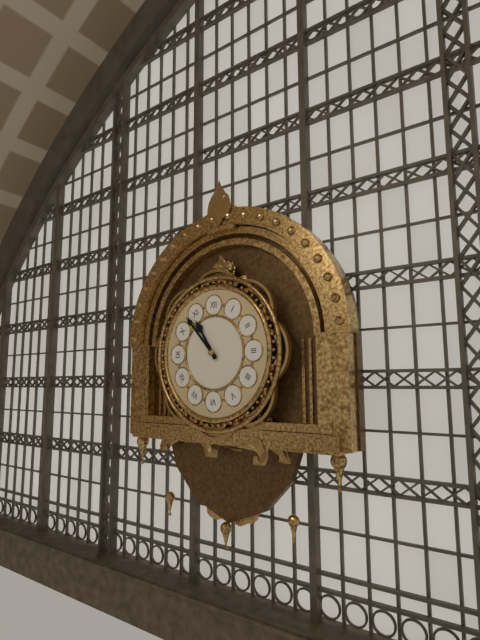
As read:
10,53
